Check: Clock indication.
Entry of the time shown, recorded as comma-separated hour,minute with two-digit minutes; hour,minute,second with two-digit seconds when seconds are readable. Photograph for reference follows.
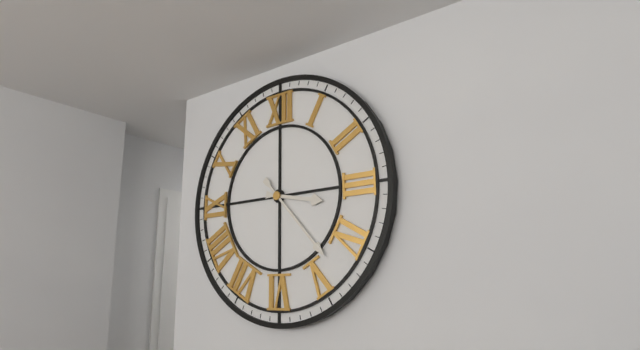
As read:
3,23
